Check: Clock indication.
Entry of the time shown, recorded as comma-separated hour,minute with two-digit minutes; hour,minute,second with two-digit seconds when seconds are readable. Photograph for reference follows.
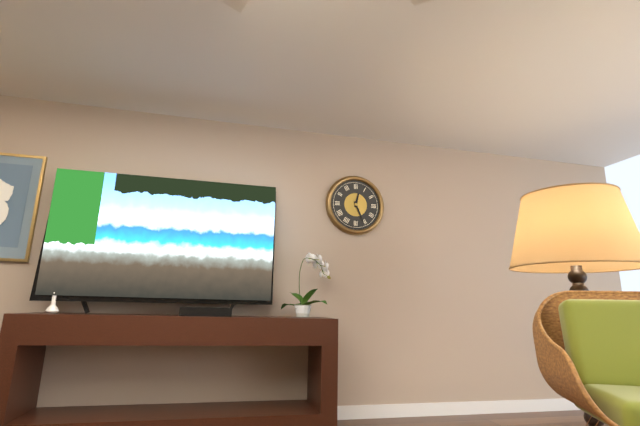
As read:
12,26
